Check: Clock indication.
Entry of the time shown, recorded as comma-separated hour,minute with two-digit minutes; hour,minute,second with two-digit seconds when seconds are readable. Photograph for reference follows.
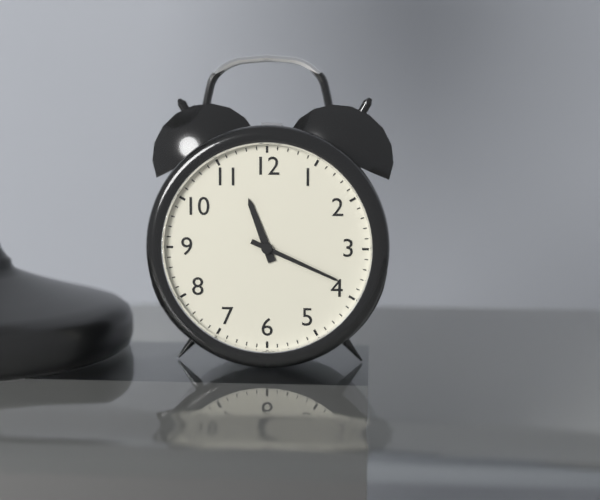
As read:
11,19
